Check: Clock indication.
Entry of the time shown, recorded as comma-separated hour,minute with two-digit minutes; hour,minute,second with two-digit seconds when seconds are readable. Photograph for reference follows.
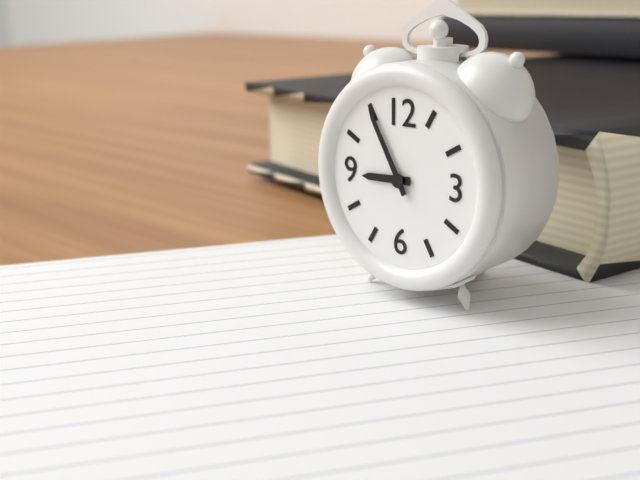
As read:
8,55
